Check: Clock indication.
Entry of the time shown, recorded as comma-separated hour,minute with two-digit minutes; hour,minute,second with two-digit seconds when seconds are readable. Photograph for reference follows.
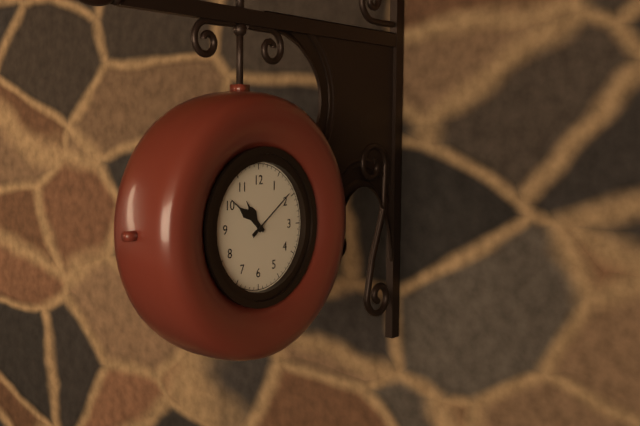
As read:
10,51,09
